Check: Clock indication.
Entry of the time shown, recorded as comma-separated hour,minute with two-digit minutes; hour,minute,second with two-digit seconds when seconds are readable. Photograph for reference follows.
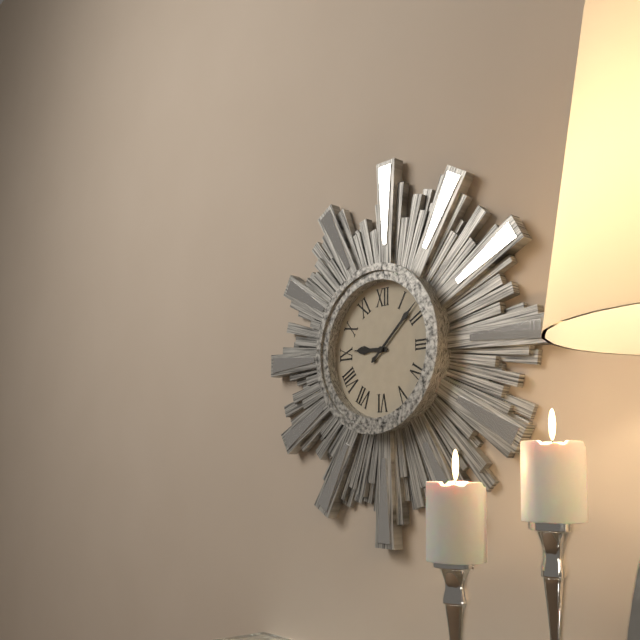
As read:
9,08
